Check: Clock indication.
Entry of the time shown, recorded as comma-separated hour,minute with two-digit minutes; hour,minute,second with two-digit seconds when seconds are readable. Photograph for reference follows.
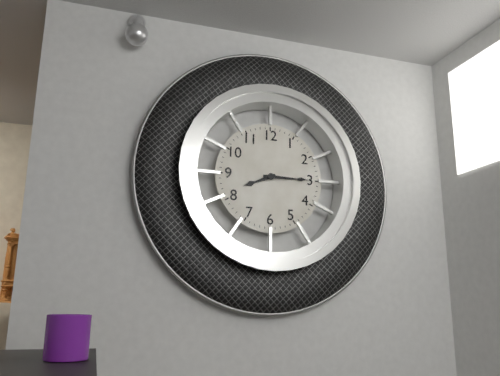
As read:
8,15
